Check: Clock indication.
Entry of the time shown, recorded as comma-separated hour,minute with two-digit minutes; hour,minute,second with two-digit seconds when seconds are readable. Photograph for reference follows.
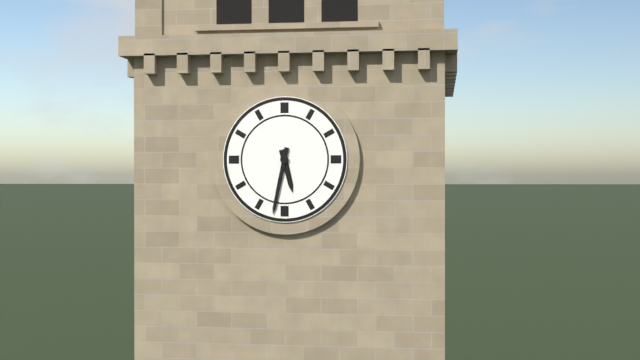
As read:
5,32
